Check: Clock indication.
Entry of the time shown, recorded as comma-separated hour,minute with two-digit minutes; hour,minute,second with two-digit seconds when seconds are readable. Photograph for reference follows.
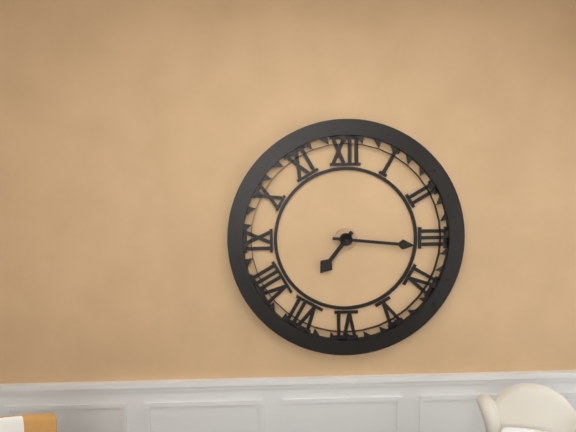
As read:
7,16
